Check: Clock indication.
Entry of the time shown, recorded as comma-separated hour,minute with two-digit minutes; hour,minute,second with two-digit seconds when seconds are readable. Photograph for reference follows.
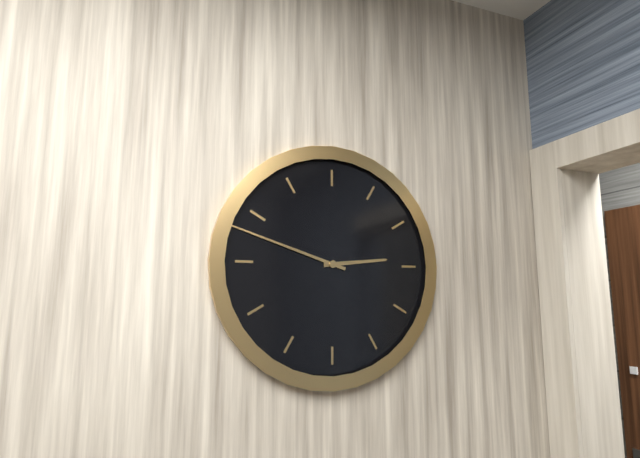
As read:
2,48
